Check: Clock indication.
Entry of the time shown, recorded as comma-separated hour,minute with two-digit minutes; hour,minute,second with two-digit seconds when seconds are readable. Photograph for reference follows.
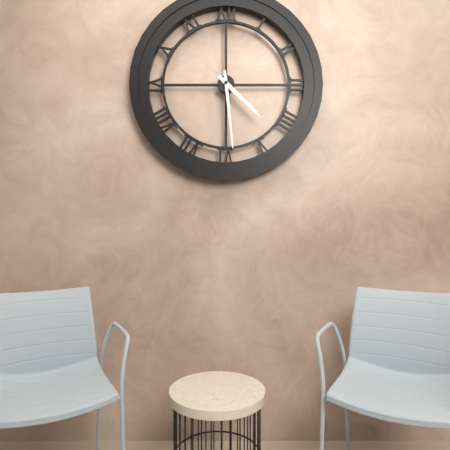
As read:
4,29
